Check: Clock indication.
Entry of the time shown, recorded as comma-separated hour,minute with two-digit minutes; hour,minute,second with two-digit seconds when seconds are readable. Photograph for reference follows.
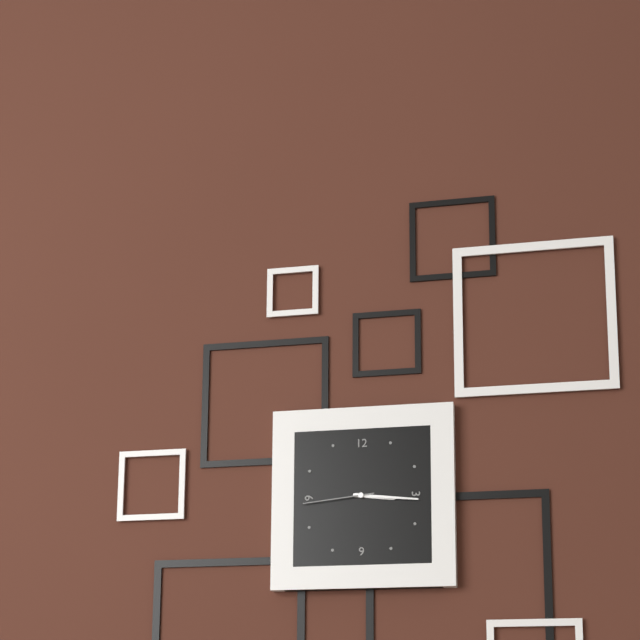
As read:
3,16,44
